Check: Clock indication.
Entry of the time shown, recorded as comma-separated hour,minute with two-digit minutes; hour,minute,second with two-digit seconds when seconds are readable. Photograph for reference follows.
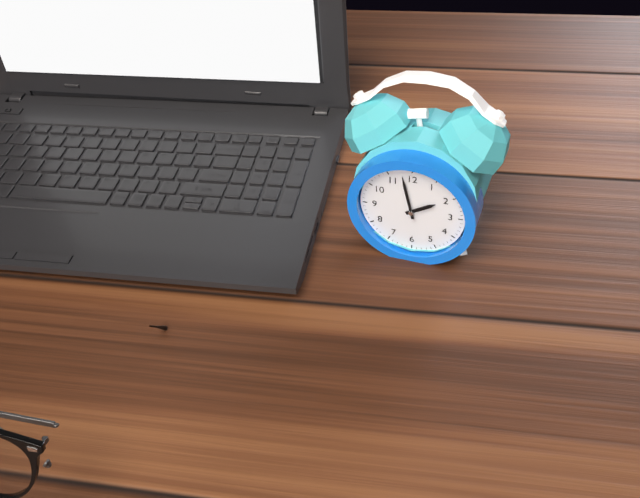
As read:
1,58
